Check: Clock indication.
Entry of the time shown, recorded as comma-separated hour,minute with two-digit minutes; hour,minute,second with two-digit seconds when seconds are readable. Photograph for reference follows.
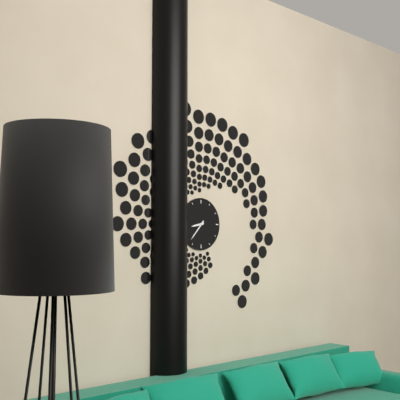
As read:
8,37
